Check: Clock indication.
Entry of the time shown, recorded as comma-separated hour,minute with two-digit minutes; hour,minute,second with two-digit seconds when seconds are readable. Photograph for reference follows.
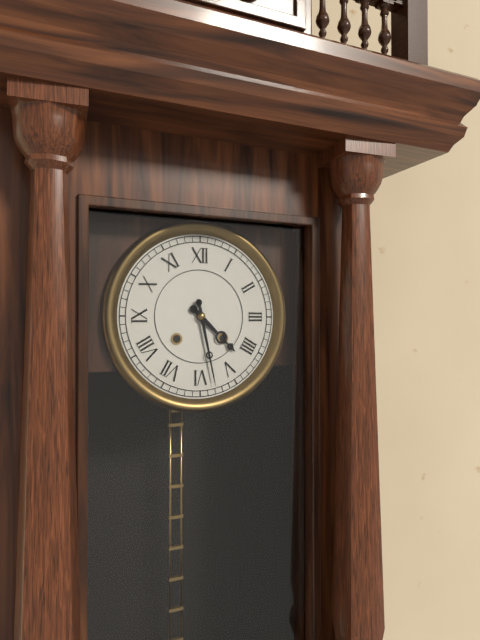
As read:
4,28
